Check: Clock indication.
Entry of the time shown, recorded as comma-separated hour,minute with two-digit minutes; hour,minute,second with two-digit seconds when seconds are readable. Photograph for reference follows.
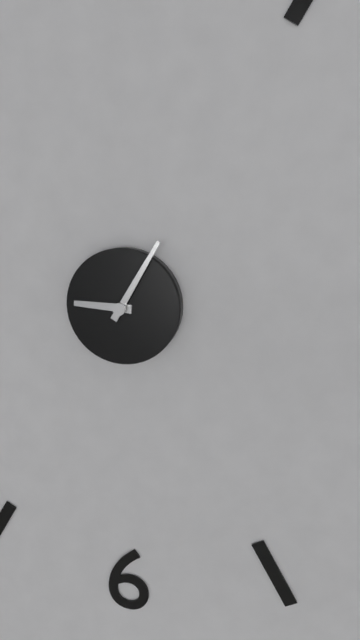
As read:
9,05
